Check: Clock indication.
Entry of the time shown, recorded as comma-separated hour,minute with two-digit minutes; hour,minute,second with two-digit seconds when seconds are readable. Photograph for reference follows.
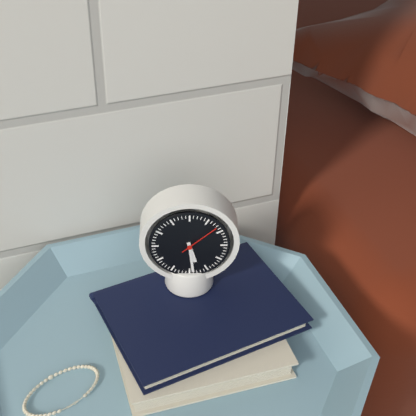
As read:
5,29
